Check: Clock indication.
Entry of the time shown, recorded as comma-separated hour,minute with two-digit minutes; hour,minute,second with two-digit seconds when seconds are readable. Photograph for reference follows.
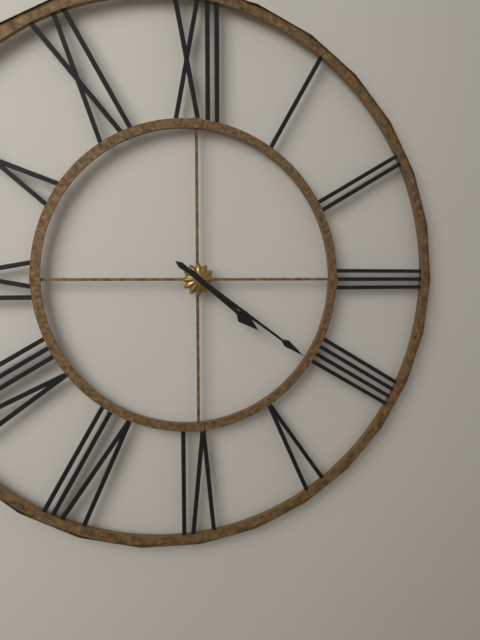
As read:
4,21
